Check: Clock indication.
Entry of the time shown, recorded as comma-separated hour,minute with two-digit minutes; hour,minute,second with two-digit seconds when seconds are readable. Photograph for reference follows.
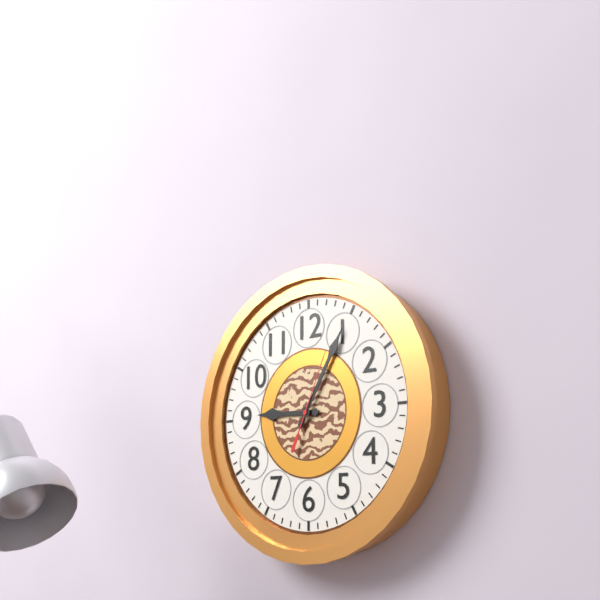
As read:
9,05,04
